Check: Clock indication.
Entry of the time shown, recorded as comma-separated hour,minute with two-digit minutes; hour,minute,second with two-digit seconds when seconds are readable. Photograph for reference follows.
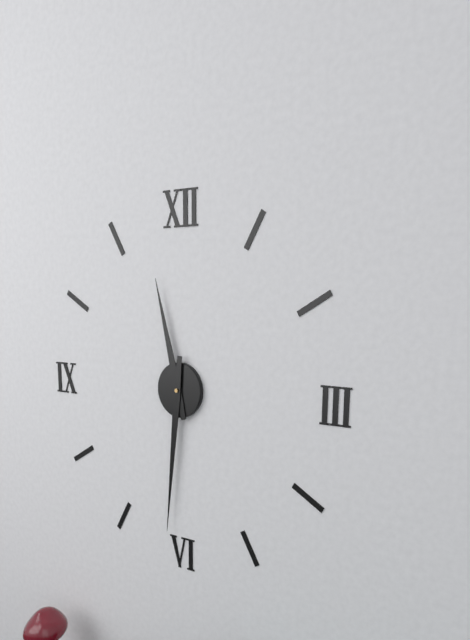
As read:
11,31
